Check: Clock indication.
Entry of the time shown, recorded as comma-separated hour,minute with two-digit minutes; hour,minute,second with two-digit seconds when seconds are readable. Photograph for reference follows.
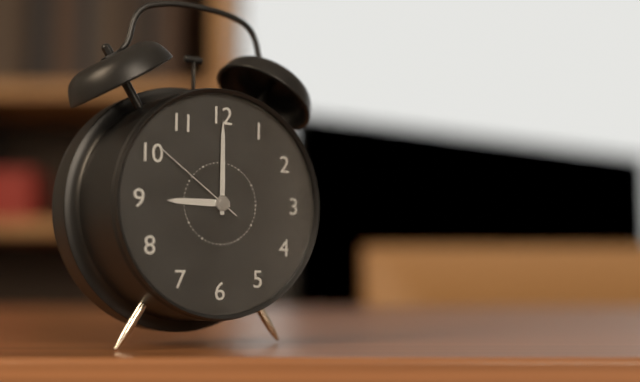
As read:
9,00,51
